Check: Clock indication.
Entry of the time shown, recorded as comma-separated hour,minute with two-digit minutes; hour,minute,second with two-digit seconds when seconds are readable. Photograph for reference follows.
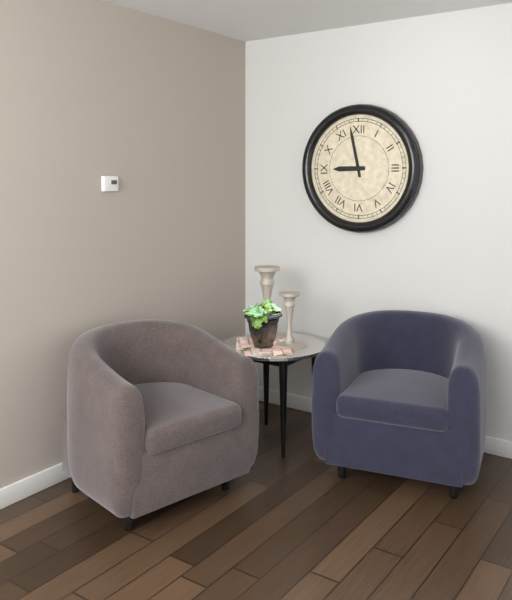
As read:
8,58
